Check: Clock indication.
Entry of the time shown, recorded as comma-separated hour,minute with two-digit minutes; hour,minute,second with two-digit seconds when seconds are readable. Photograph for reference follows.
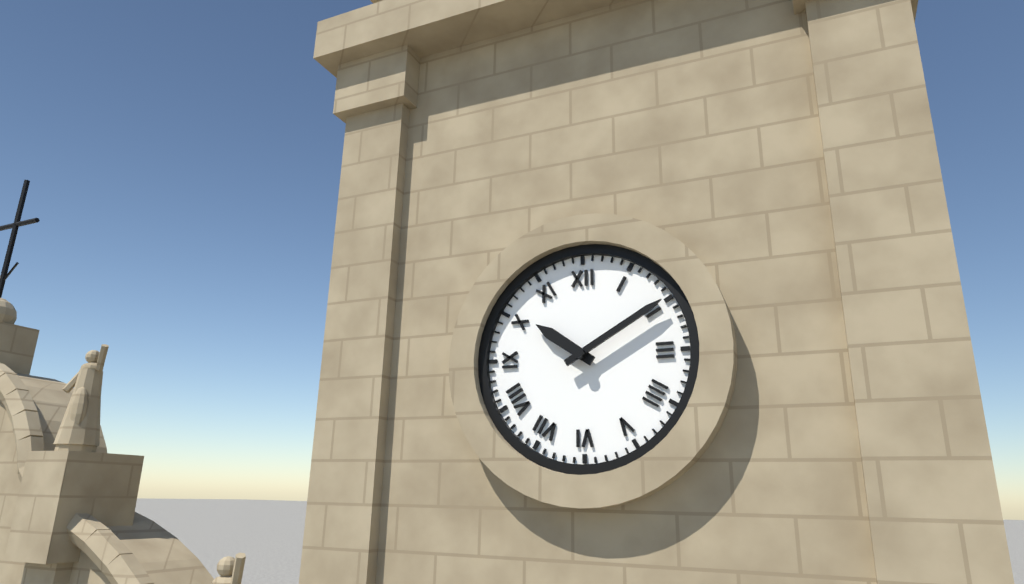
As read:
10,10
